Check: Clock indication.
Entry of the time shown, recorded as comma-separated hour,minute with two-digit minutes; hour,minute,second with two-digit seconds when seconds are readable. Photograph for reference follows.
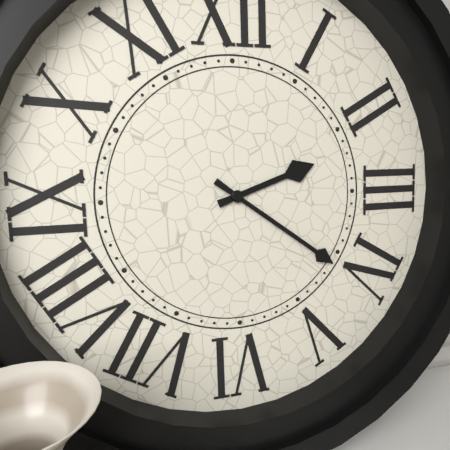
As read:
2,21
